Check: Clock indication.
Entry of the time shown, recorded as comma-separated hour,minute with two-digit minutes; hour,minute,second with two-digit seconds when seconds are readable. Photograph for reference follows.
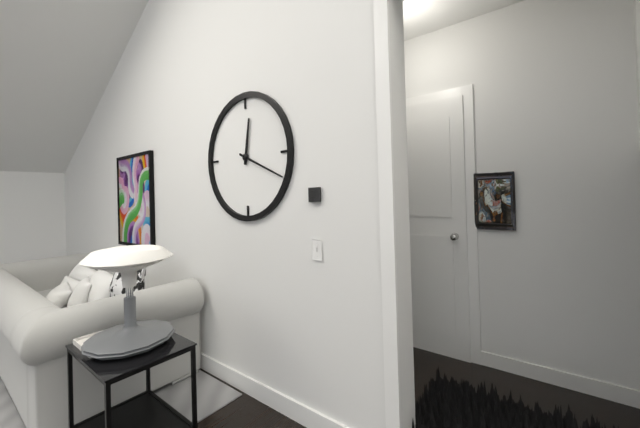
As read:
12,19
